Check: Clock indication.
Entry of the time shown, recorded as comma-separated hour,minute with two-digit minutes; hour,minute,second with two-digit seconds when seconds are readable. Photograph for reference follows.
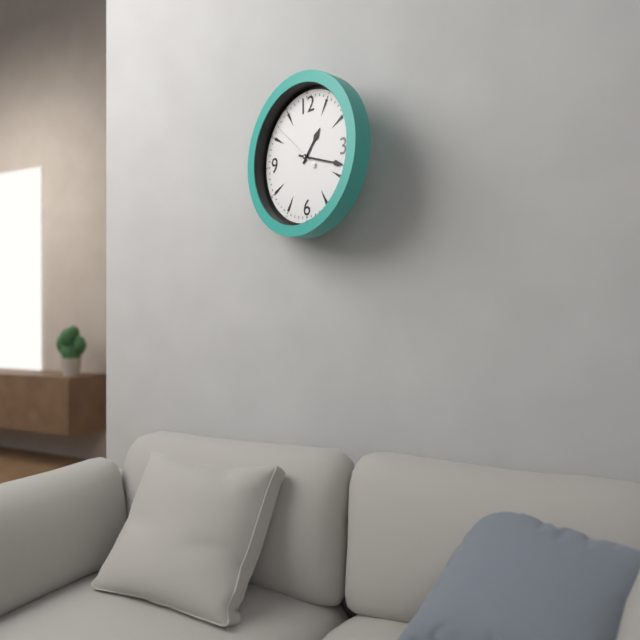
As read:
1,18,52
